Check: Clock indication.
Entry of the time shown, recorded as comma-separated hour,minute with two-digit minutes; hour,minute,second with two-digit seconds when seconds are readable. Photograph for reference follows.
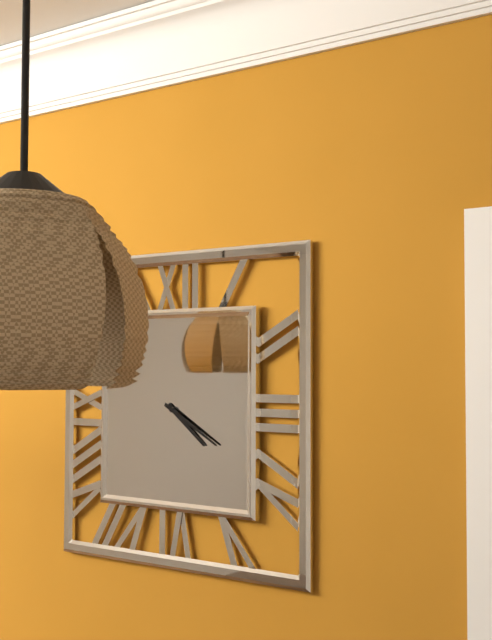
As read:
4,20
